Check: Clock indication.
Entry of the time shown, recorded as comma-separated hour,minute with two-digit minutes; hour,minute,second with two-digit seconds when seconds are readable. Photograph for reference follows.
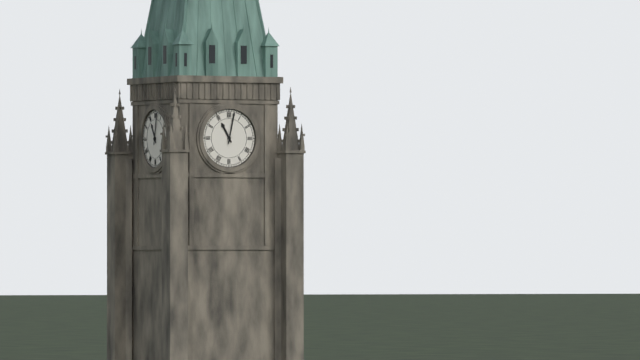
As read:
11,02
